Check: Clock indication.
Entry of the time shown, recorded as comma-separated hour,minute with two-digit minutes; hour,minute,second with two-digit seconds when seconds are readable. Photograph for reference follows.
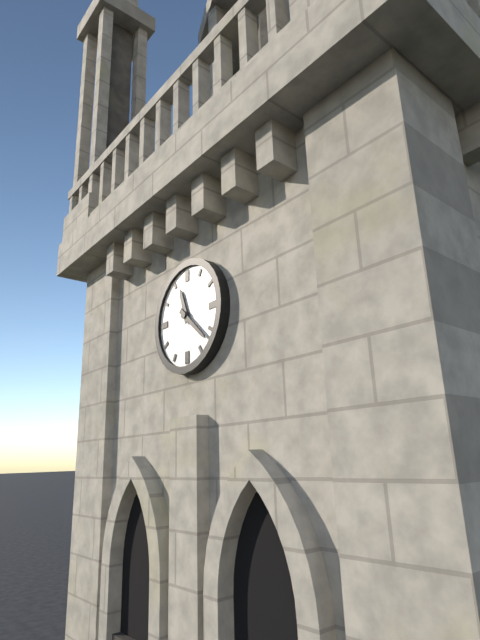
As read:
11,22
